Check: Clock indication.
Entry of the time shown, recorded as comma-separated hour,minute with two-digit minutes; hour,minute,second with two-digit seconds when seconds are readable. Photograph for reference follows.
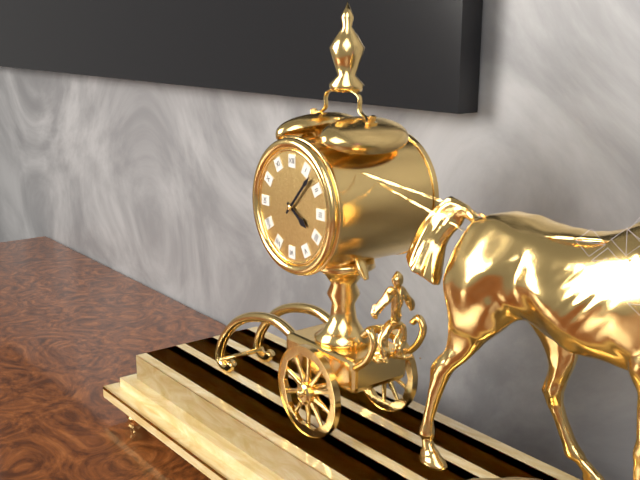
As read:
4,07
